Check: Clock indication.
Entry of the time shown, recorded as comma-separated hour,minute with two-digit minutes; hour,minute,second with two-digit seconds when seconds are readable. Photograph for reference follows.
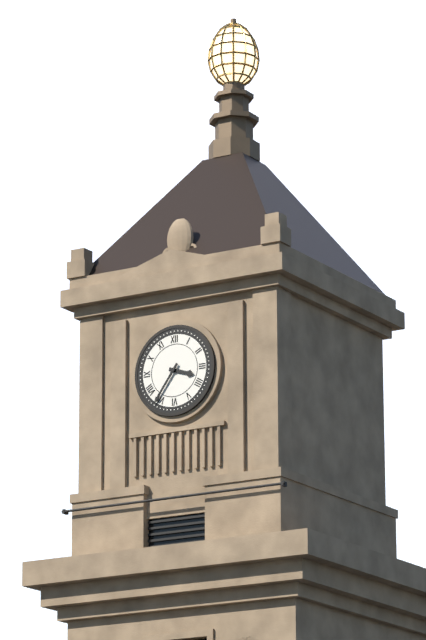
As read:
3,36
